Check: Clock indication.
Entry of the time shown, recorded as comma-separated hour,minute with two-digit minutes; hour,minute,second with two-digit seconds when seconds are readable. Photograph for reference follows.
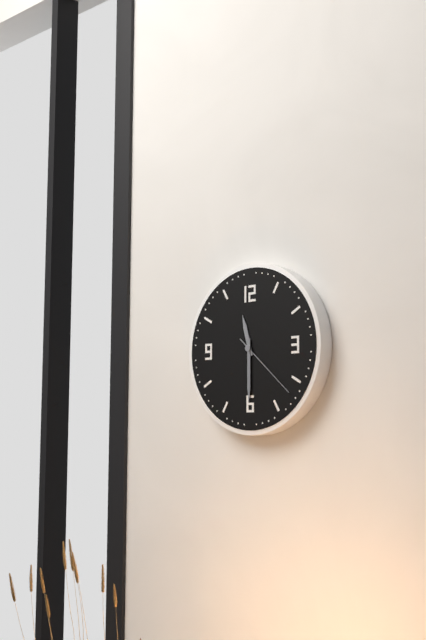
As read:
11,30,22
